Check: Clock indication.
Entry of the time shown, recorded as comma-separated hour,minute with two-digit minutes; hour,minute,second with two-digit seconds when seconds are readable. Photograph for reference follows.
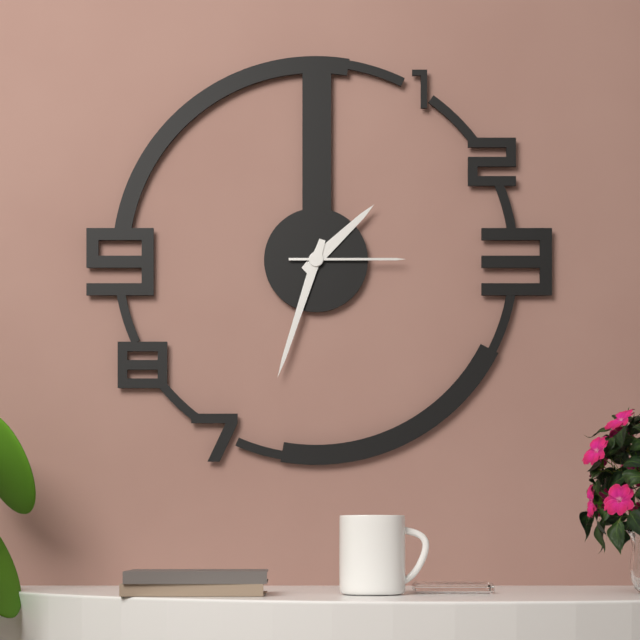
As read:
1,33,15
